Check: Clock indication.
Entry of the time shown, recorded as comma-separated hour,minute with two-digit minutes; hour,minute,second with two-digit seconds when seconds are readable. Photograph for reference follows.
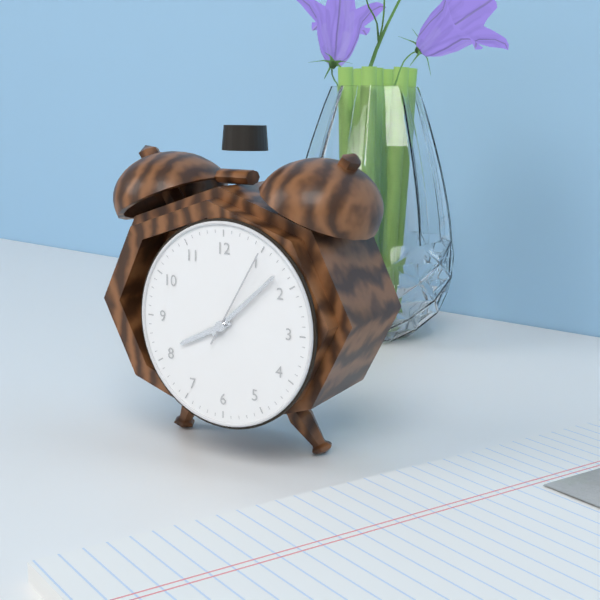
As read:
8,08,05
